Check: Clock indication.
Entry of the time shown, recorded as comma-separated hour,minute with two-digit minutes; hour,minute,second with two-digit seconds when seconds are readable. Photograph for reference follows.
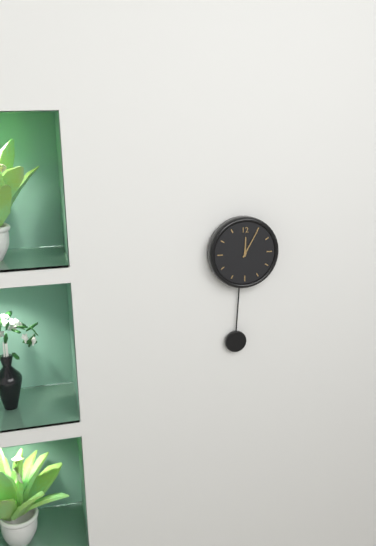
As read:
12,05
